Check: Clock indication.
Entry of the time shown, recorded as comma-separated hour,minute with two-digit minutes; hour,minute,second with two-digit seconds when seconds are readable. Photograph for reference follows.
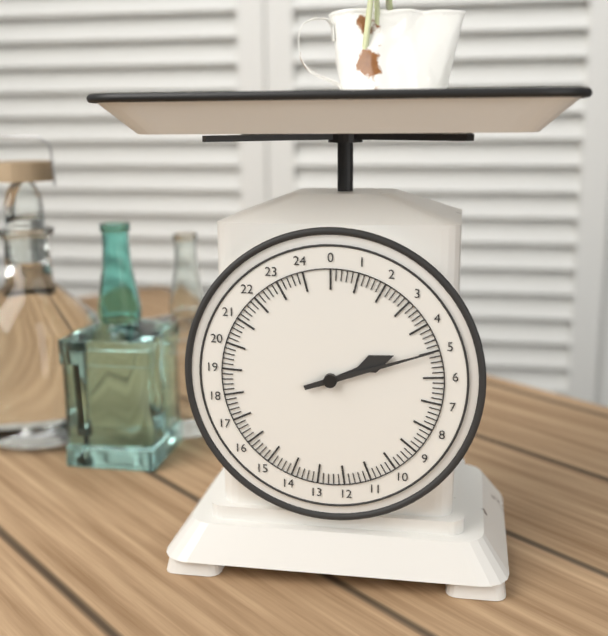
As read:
2,12
